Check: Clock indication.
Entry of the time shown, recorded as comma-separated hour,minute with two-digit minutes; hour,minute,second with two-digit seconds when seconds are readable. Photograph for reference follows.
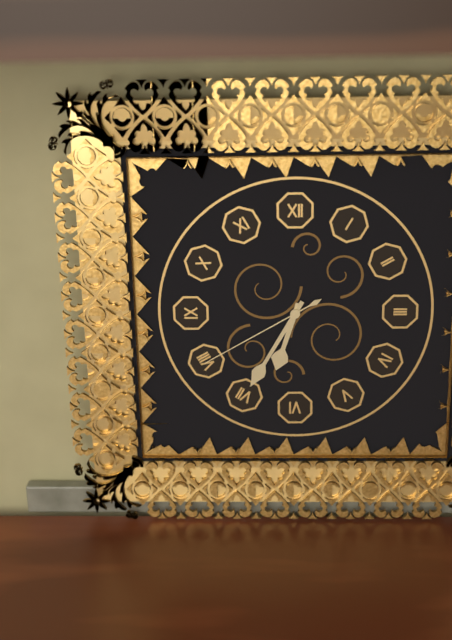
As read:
6,35,40
